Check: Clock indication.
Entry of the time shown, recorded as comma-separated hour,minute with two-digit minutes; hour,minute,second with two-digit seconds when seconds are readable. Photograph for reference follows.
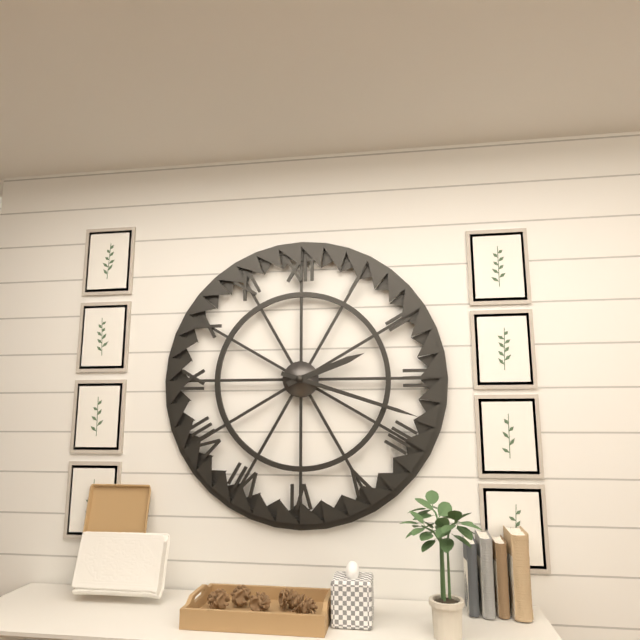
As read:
2,18
